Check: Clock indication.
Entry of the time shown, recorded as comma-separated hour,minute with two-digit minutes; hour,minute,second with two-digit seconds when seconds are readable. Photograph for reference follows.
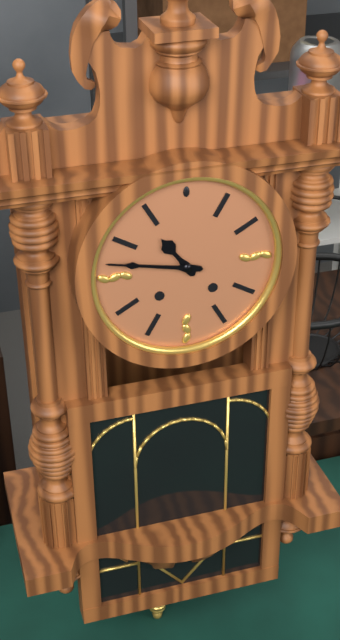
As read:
10,47
